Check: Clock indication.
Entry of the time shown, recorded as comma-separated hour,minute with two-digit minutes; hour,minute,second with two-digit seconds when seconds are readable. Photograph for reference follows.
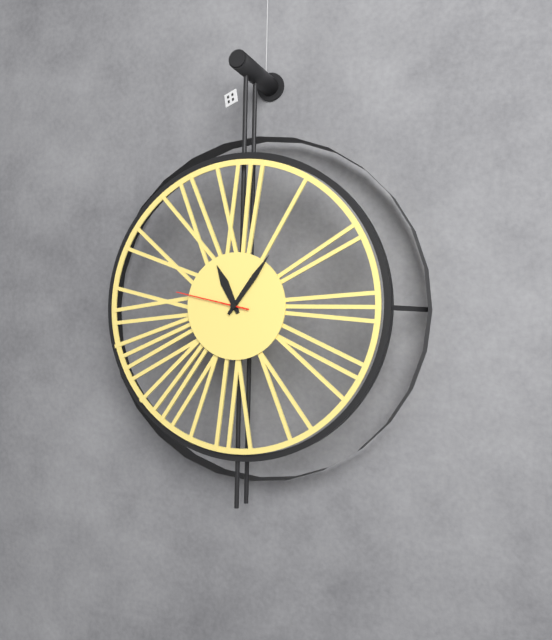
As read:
11,06,47
